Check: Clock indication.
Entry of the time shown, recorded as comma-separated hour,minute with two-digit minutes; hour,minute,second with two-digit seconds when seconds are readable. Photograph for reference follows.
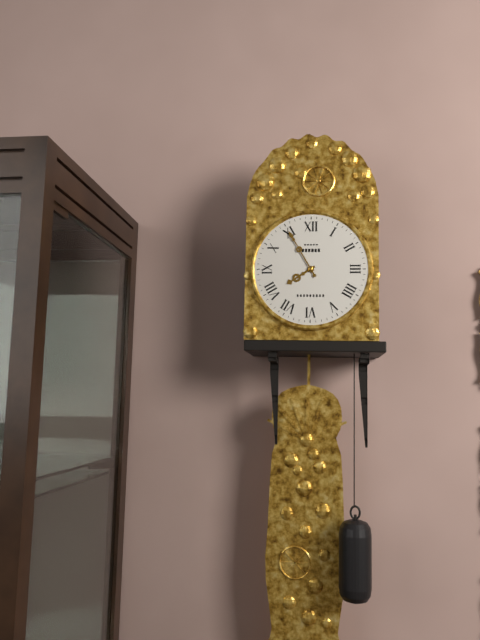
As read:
7,55
